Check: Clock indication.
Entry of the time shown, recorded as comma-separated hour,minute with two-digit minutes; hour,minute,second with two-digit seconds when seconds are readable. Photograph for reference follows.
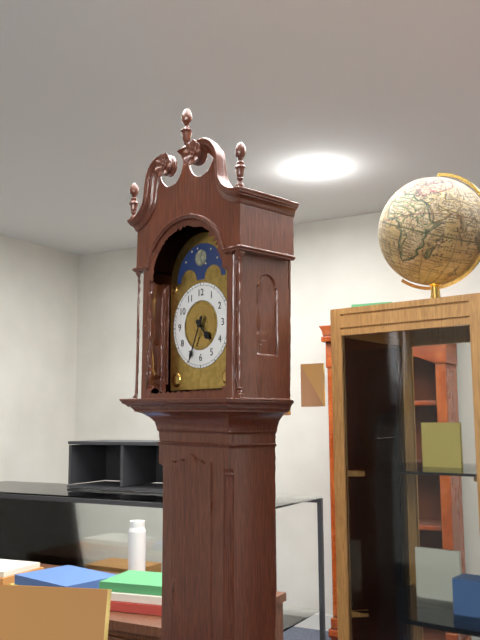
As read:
4,34
